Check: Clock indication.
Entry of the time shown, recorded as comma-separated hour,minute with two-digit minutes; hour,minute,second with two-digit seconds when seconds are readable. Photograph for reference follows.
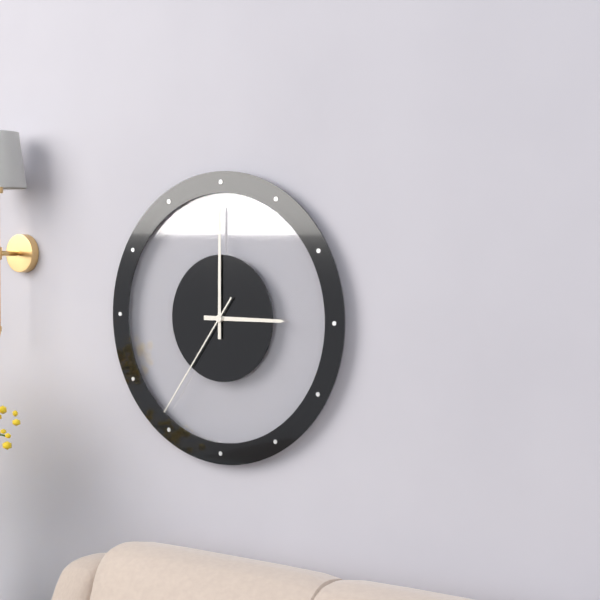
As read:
3,00,36
